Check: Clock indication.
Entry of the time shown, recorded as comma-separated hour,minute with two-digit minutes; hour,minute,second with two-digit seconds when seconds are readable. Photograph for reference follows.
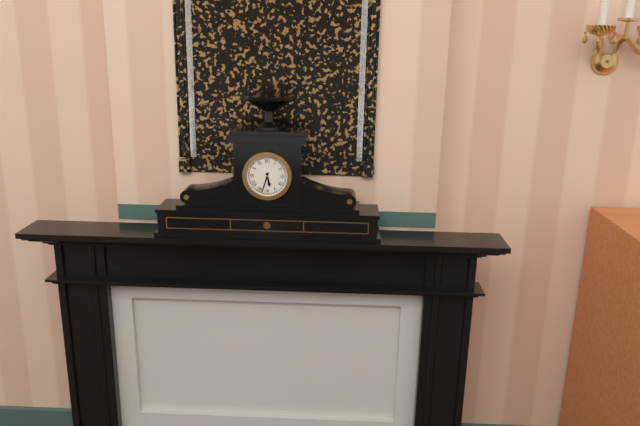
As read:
5,33
